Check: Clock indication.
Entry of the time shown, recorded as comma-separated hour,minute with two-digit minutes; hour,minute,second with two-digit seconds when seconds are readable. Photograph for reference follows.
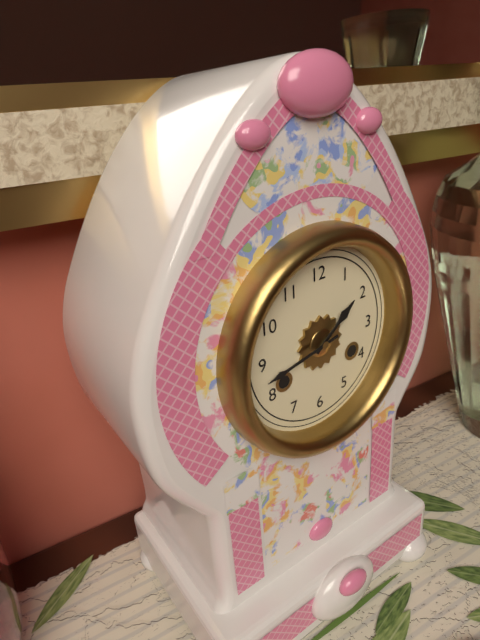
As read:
1,43
